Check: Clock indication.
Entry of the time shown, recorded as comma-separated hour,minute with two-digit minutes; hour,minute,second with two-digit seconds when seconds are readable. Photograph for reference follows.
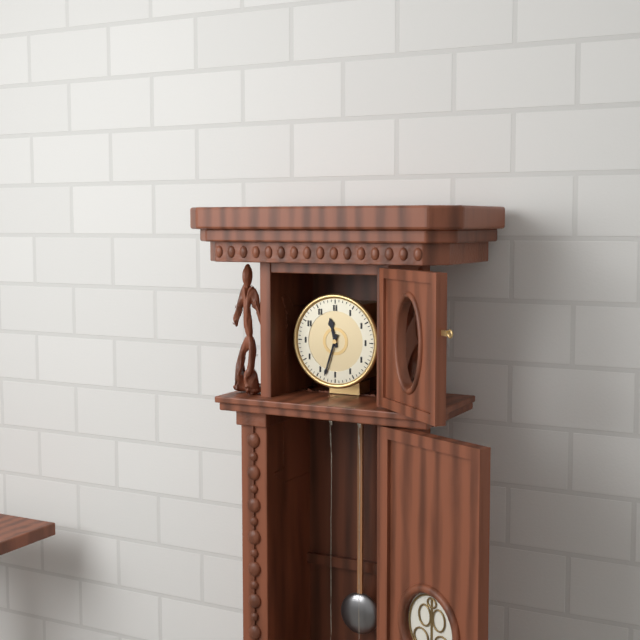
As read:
11,33
